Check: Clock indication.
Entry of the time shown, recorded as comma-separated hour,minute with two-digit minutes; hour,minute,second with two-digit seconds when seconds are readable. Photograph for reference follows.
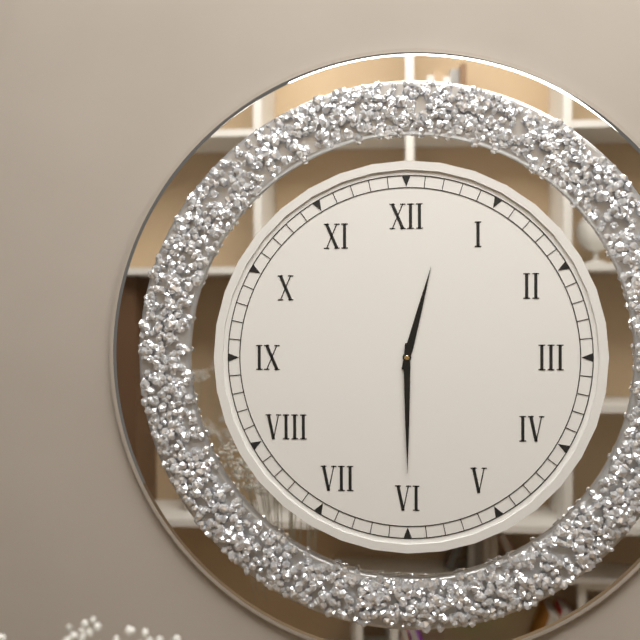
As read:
12,30
